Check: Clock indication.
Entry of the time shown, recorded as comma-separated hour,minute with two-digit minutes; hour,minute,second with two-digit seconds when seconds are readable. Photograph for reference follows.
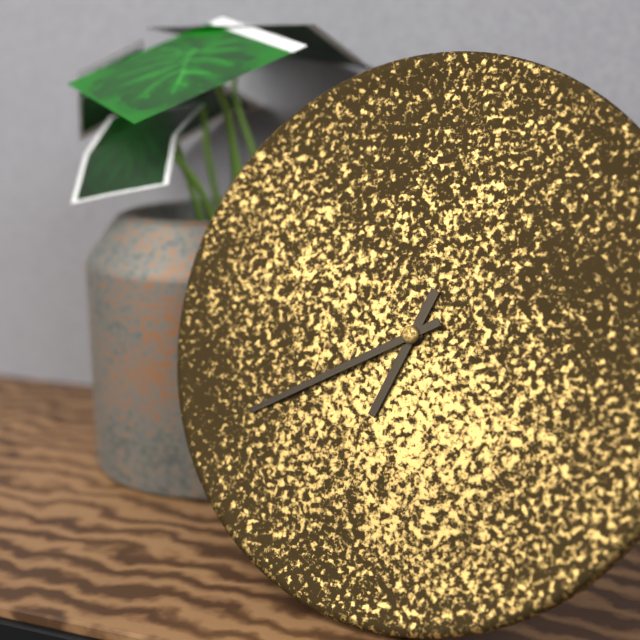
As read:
6,40
